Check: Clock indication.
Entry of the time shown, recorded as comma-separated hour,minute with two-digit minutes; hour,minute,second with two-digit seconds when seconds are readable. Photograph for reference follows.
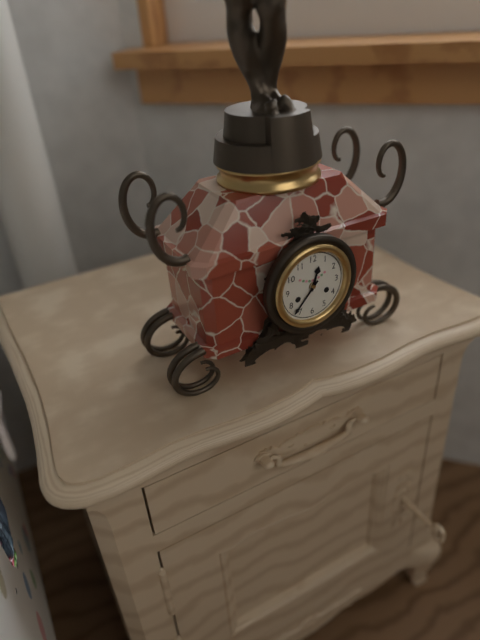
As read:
12,37
